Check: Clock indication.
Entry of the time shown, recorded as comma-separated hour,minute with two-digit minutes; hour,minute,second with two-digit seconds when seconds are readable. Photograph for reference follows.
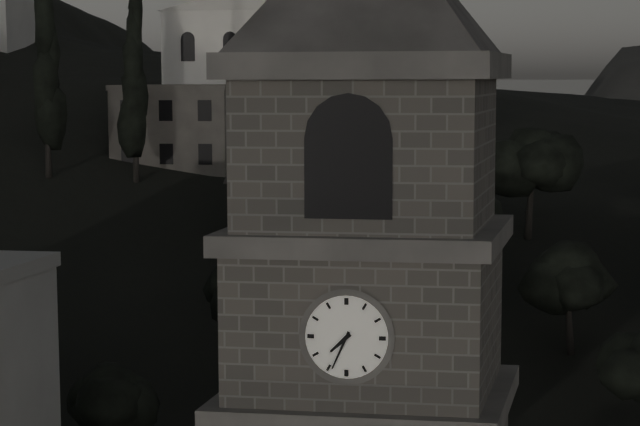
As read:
7,34
